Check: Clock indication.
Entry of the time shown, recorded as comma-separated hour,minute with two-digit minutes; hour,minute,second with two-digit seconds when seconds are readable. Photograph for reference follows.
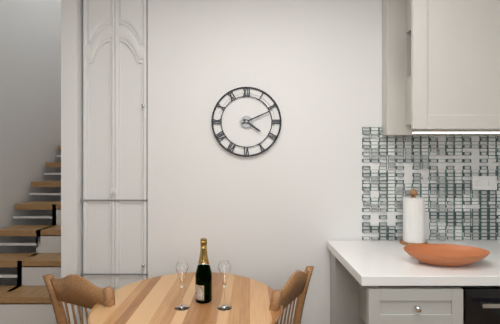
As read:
4,11
